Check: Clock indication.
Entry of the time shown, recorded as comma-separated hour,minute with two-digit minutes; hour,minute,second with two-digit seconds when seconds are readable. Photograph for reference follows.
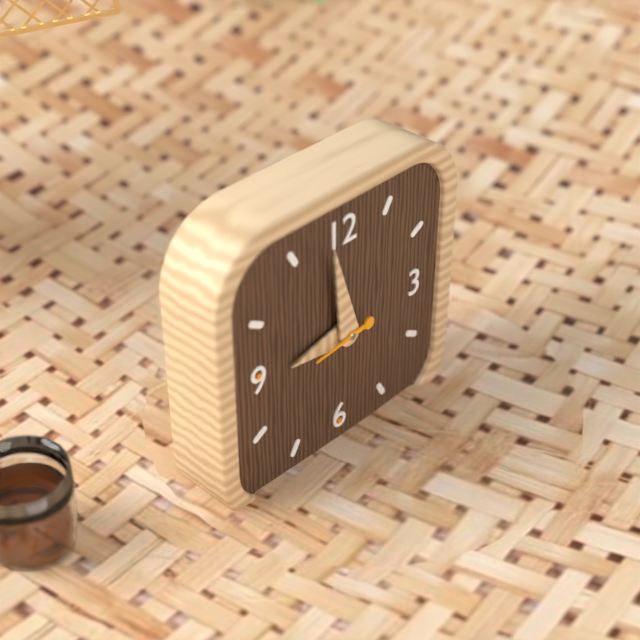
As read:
8,58,44
